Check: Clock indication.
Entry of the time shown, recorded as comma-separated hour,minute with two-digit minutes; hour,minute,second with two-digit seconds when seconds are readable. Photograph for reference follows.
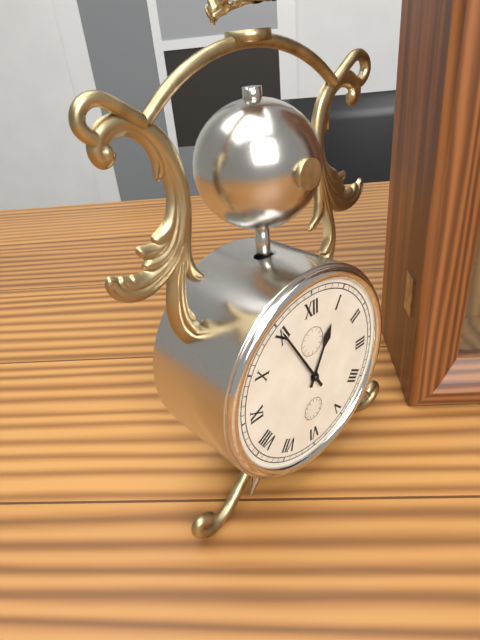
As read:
12,55
